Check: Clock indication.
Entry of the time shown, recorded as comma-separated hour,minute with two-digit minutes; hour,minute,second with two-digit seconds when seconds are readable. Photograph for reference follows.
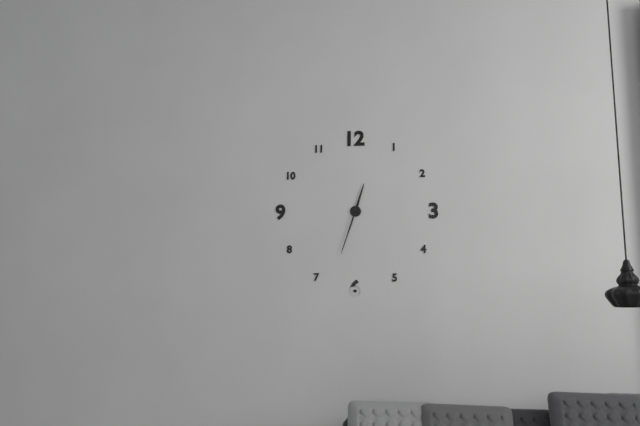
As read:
12,33
